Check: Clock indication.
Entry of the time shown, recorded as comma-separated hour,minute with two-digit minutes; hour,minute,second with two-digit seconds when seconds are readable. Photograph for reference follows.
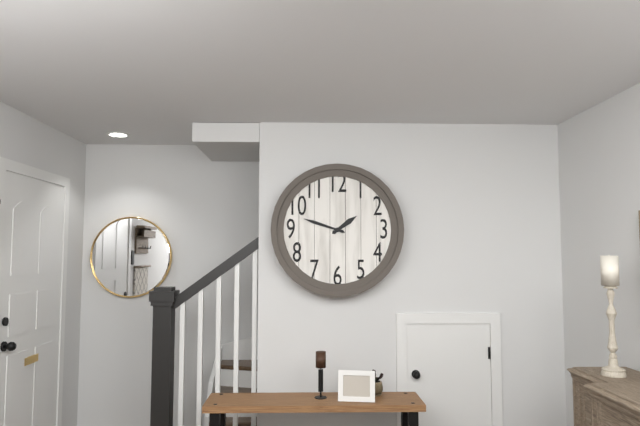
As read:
1,48
